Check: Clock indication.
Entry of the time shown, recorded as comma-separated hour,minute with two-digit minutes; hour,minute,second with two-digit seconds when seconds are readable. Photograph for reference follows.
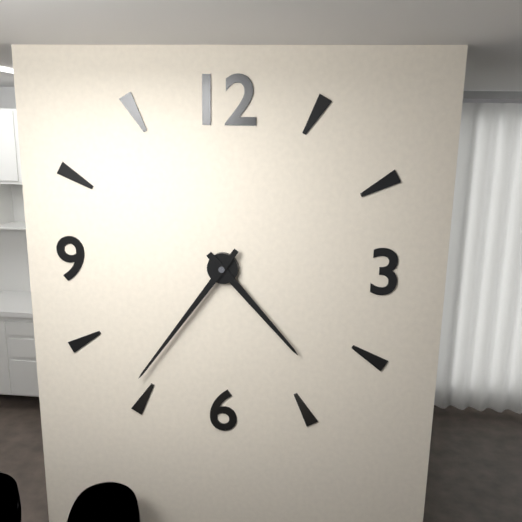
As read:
4,36
